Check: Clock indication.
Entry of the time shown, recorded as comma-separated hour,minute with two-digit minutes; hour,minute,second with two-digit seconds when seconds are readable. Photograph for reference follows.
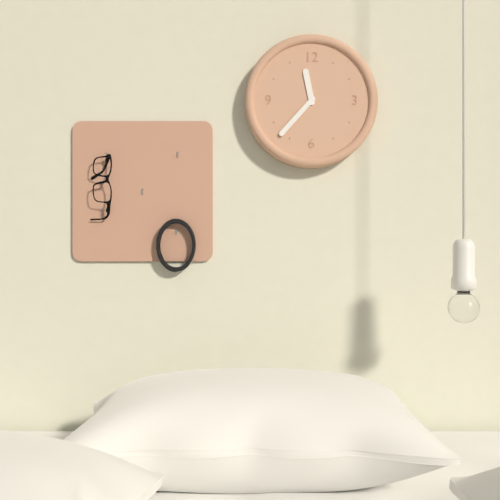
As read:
11,37
